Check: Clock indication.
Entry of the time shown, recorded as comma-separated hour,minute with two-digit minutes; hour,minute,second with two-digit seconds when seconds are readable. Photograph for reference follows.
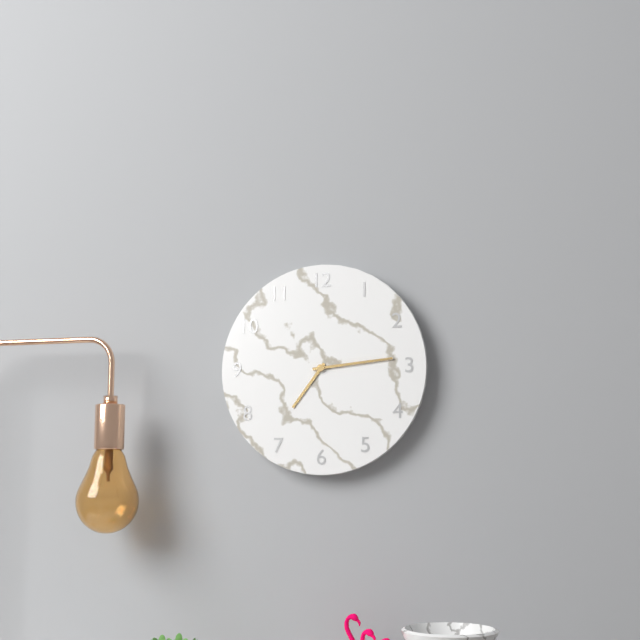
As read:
7,14
